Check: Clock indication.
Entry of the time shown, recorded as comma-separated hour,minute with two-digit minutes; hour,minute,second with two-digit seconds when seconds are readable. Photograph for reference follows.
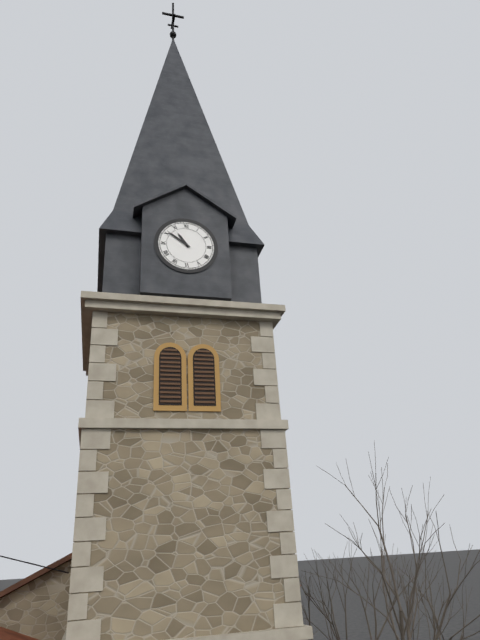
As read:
10,51
